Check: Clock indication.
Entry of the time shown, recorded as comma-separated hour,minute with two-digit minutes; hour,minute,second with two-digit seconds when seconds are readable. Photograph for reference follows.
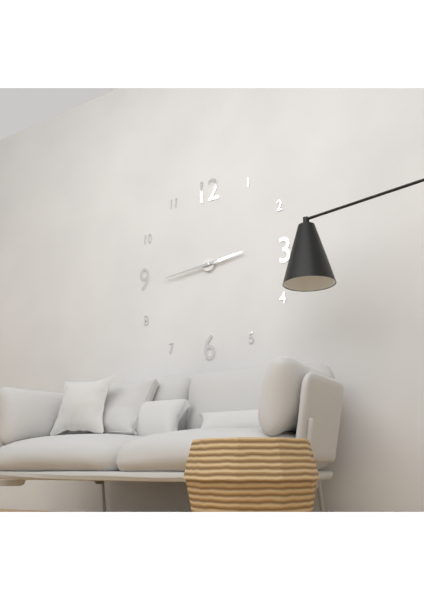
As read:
2,44
